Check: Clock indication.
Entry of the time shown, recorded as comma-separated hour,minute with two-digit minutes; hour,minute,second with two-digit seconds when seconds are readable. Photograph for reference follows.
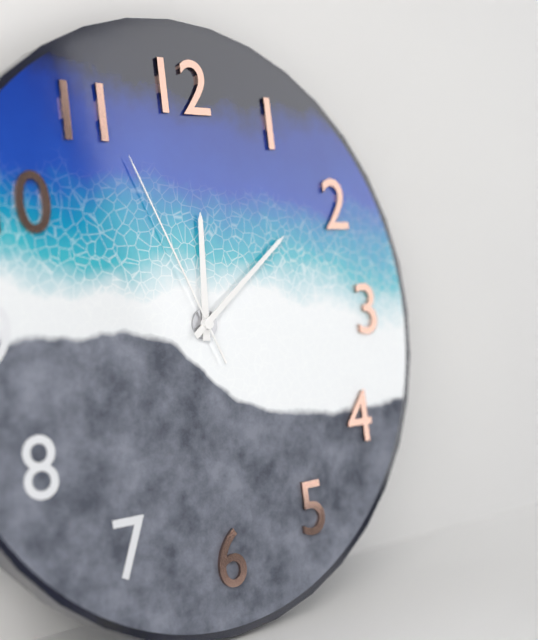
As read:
12,09,56
